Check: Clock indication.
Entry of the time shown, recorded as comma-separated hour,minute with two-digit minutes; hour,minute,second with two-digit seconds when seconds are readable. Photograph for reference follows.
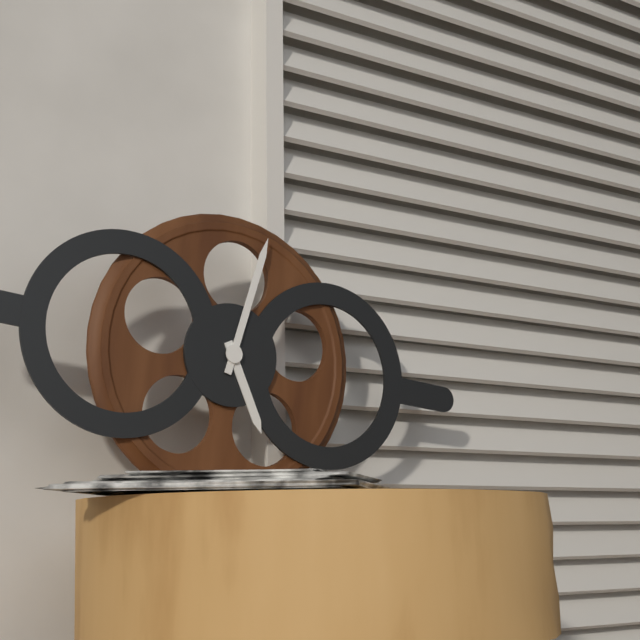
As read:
5,02
